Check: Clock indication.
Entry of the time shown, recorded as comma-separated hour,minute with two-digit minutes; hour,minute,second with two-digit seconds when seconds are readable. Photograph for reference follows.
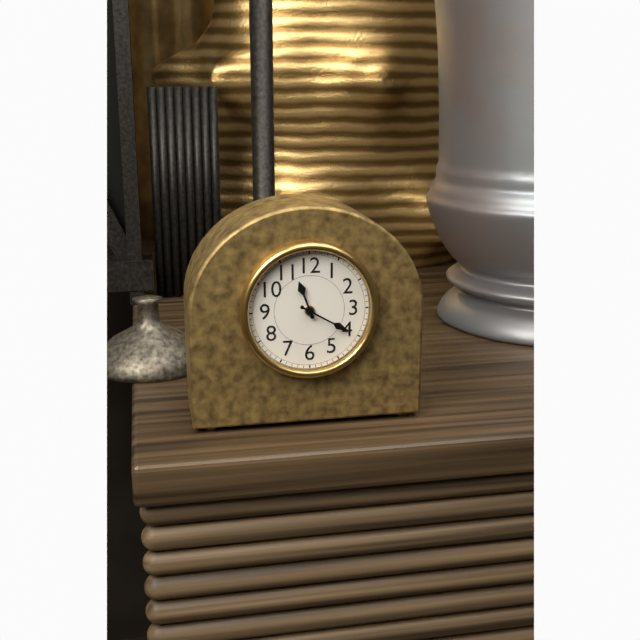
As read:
11,20
